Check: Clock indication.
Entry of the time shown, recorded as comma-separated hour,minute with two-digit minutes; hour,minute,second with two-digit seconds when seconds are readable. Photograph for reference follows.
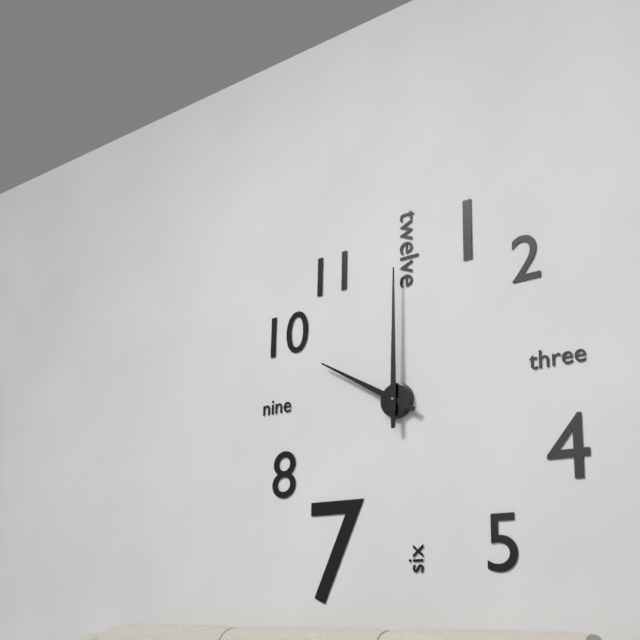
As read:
10,00
